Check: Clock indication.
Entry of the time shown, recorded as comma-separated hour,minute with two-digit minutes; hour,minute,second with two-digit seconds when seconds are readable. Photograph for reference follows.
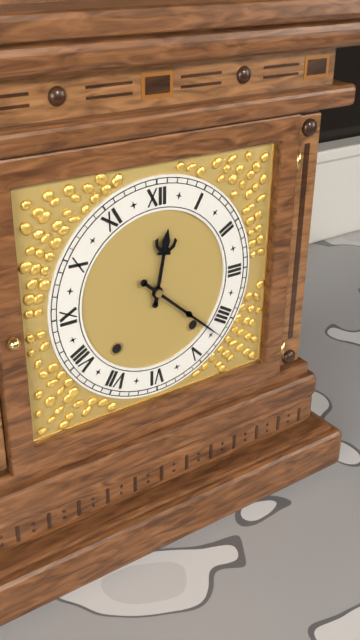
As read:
12,22
